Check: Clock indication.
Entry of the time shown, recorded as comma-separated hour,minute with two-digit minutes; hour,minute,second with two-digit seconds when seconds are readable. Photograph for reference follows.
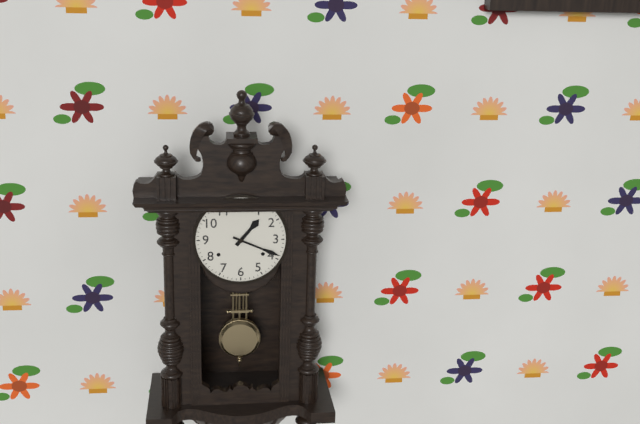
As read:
1,19
